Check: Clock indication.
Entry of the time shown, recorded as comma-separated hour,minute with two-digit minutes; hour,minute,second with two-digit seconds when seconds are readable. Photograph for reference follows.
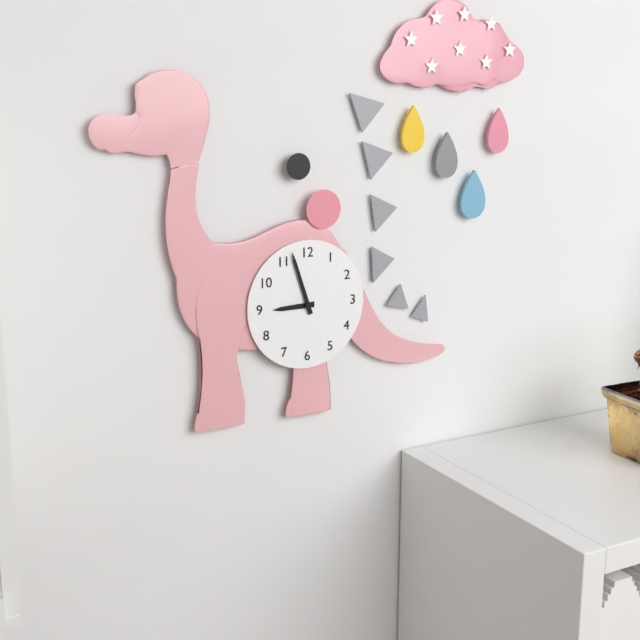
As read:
8,57
